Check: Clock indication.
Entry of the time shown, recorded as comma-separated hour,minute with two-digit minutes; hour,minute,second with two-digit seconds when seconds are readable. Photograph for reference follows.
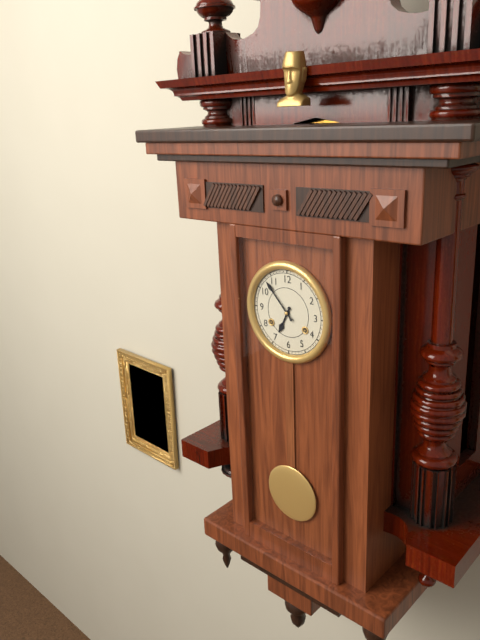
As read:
6,53
